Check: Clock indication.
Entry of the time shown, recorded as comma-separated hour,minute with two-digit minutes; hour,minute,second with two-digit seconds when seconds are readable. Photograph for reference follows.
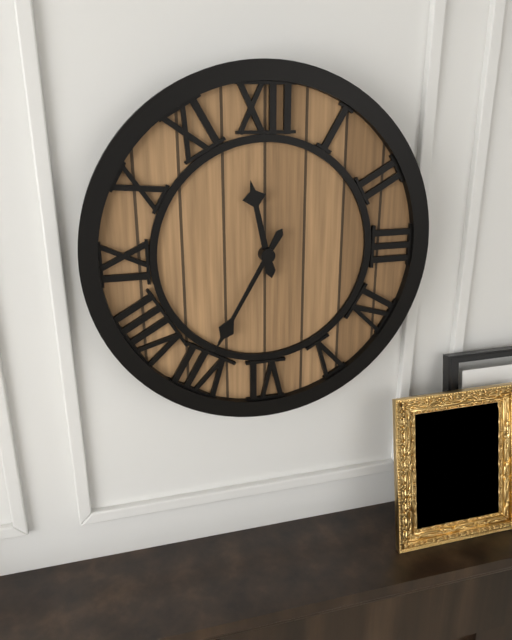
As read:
11,35
